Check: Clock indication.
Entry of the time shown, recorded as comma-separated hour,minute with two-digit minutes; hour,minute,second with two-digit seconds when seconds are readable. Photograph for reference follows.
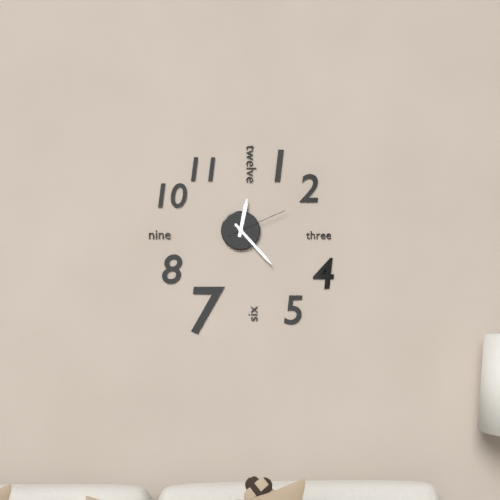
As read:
12,23,11
